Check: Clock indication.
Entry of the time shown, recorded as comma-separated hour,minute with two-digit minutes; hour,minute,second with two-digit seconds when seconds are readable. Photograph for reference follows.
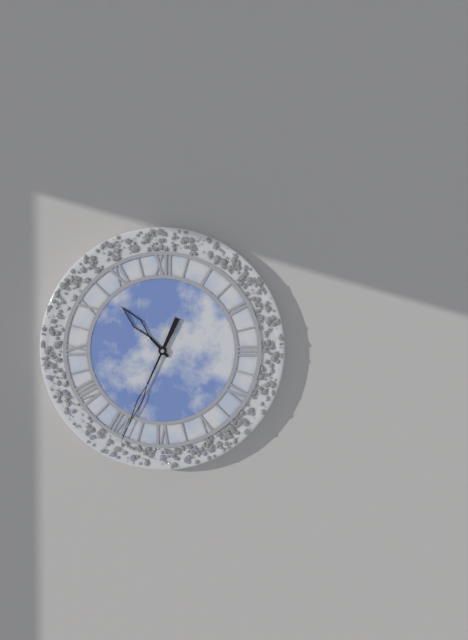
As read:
10,34
